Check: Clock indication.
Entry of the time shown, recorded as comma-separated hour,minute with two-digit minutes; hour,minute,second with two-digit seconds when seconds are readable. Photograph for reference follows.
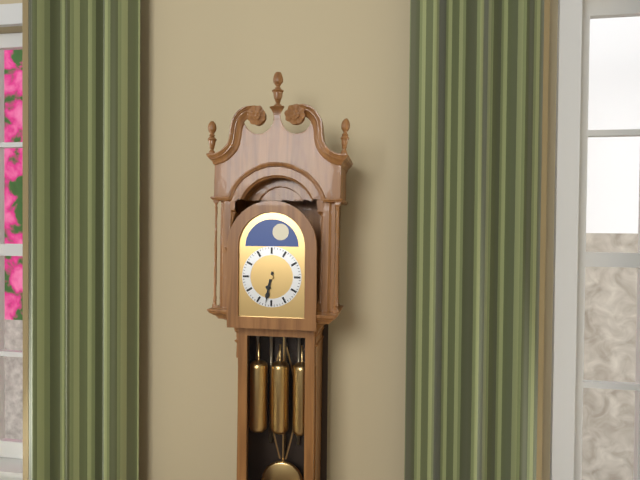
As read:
6,32
